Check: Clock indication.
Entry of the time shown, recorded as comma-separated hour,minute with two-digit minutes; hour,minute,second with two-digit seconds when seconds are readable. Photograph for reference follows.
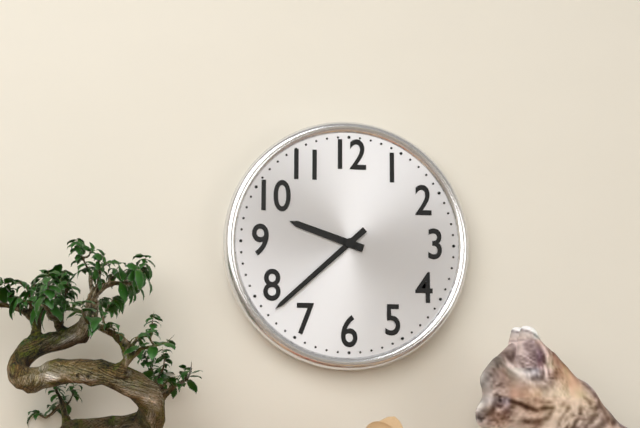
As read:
9,38
